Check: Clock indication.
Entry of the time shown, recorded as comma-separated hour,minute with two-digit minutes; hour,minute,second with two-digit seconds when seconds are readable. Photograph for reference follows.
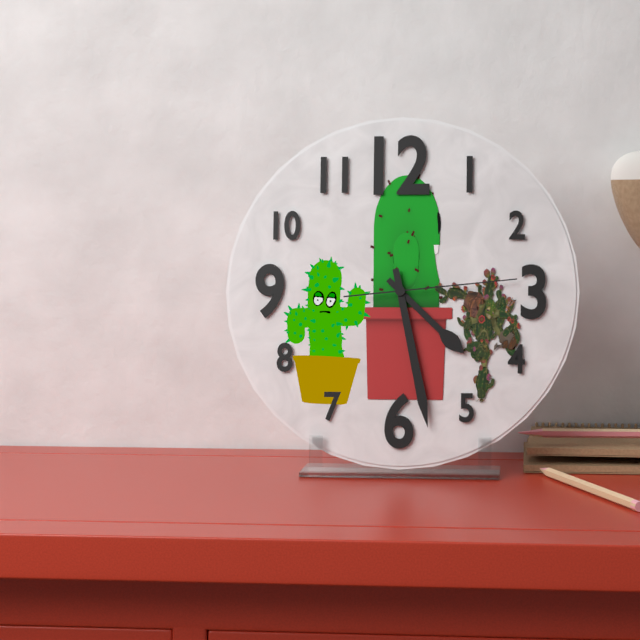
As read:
4,28,14
